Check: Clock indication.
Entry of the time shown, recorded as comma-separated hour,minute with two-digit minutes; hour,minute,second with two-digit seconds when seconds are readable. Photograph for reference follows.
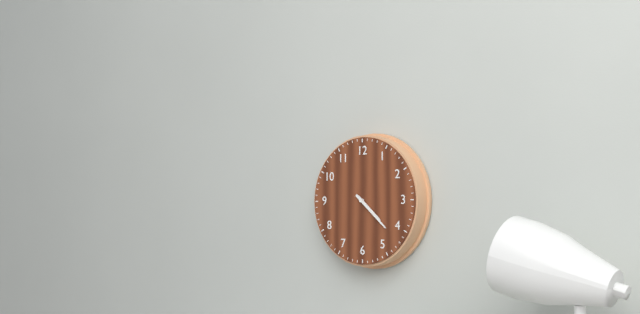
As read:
4,22
